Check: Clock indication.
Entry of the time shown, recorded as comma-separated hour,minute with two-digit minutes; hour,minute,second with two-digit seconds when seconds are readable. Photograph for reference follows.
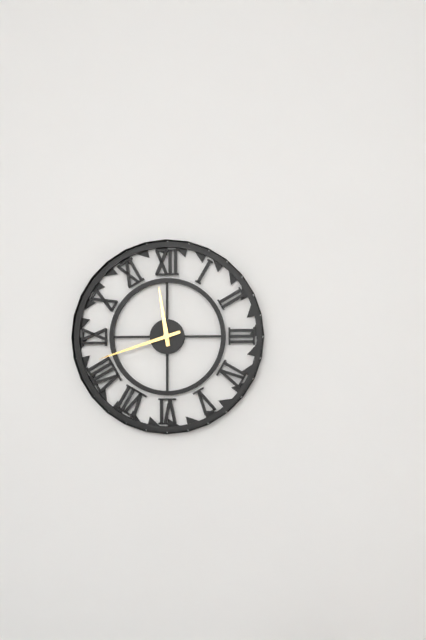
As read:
11,42
